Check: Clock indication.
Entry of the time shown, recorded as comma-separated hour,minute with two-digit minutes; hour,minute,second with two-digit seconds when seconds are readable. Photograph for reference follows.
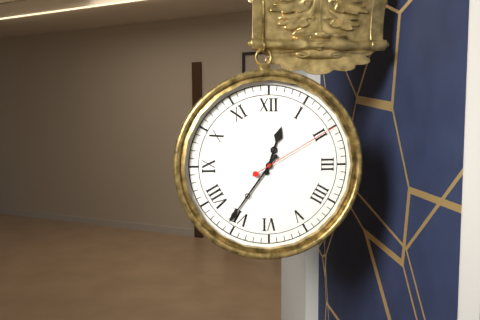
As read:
12,36,10
